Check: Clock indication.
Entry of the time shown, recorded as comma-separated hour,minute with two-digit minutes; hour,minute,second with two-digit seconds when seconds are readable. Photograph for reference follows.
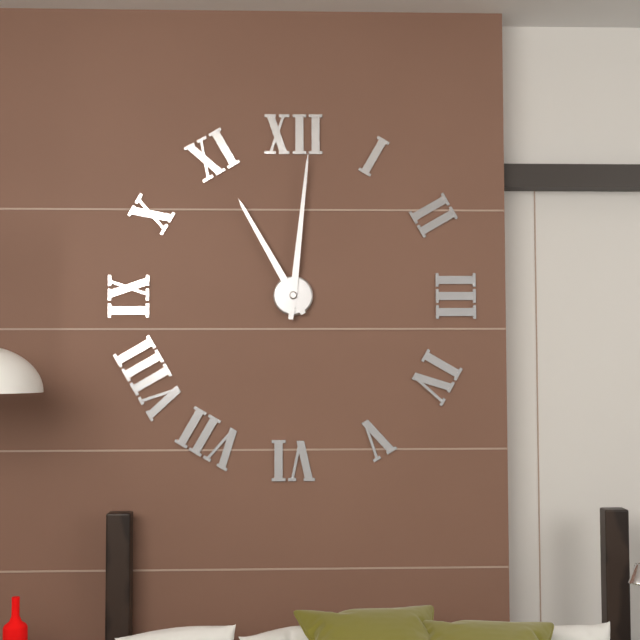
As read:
11,01
